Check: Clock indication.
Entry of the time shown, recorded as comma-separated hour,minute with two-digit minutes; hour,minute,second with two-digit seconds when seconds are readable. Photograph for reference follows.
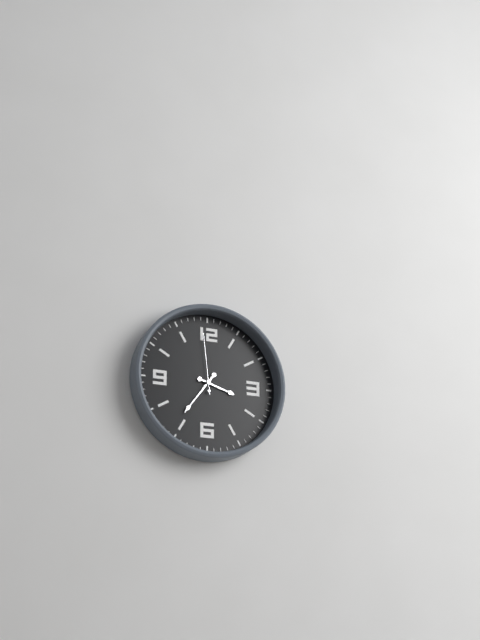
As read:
3,36,59
